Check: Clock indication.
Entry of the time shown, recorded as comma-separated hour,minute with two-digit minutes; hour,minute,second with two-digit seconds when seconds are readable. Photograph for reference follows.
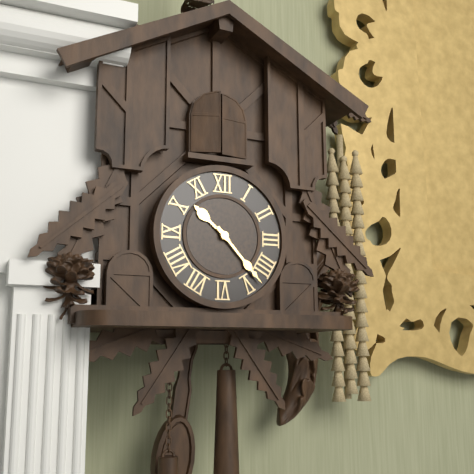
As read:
10,23
